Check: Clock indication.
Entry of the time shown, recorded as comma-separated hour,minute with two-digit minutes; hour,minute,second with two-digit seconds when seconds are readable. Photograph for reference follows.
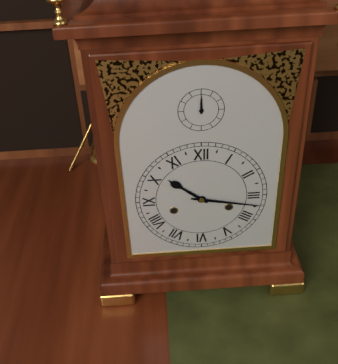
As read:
10,17
